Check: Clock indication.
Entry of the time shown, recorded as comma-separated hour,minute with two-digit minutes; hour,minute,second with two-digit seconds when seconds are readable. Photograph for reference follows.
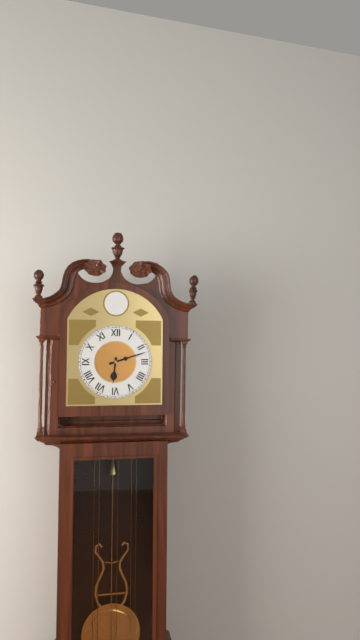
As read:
6,12
